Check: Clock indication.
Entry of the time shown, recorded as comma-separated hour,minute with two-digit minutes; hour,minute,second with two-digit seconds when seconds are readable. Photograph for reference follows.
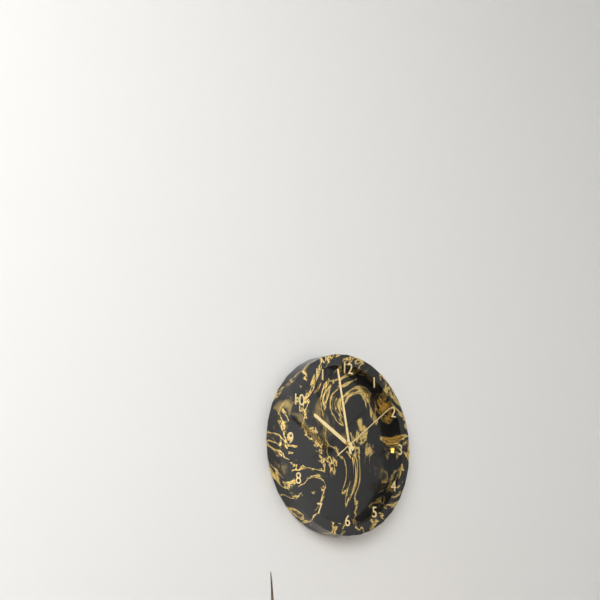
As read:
9,58,09
